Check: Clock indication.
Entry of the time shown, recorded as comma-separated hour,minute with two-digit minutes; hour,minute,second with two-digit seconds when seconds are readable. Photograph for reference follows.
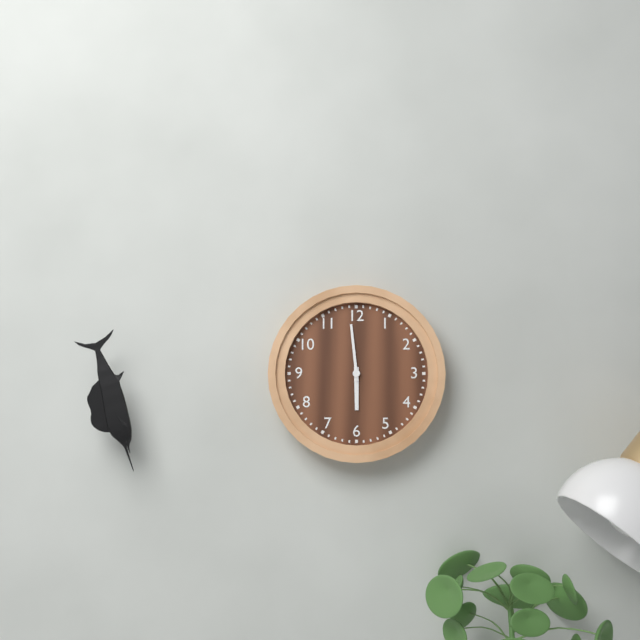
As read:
5,59
